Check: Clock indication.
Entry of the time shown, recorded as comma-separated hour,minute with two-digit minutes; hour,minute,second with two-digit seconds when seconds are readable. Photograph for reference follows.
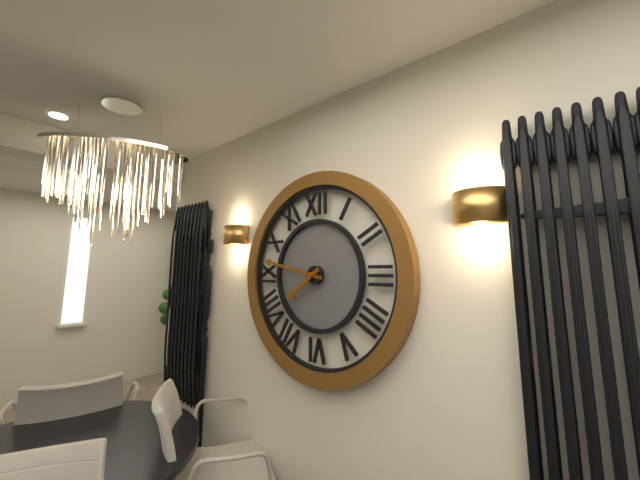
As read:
7,47
